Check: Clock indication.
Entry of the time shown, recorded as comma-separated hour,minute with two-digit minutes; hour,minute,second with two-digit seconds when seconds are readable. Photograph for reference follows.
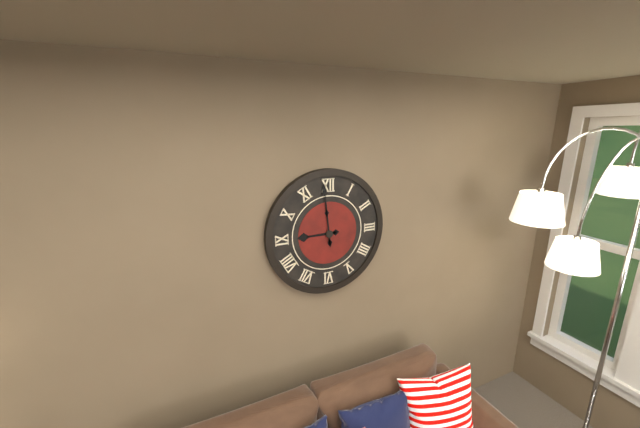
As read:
8,59
